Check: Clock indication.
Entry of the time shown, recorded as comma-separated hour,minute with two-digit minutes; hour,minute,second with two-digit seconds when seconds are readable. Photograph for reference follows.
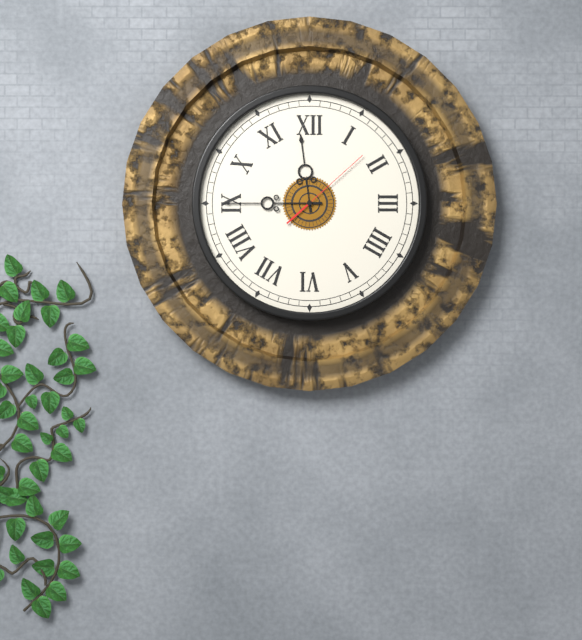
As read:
11,45,08
